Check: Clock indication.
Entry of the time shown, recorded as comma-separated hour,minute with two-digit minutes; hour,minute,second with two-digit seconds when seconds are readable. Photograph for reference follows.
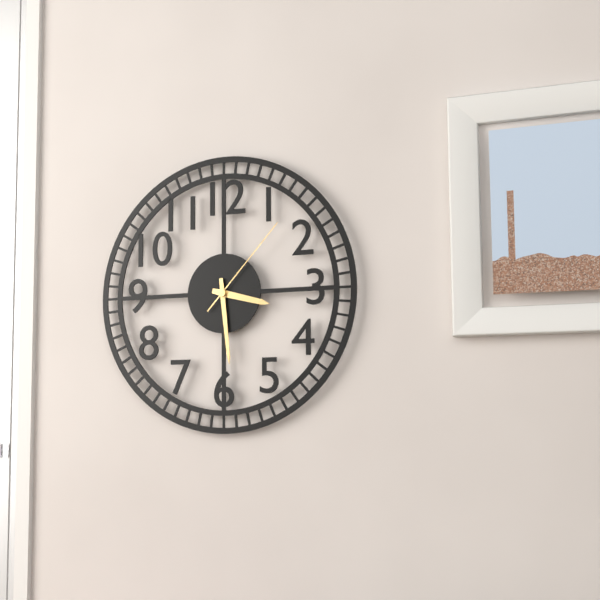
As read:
3,29,07
